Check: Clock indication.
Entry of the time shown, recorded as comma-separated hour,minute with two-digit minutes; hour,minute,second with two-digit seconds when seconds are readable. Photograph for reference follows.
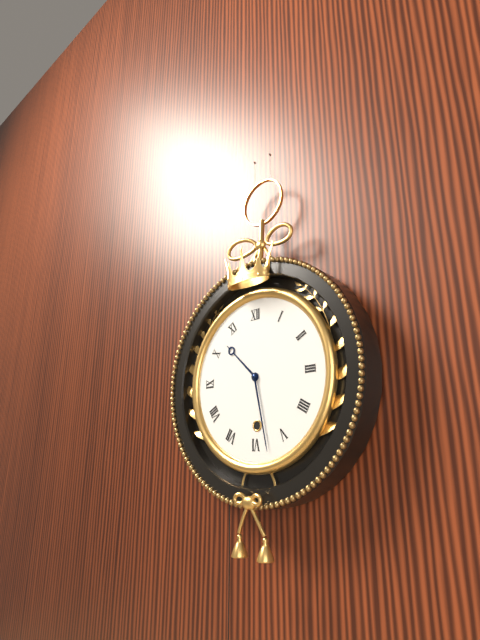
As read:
10,28
